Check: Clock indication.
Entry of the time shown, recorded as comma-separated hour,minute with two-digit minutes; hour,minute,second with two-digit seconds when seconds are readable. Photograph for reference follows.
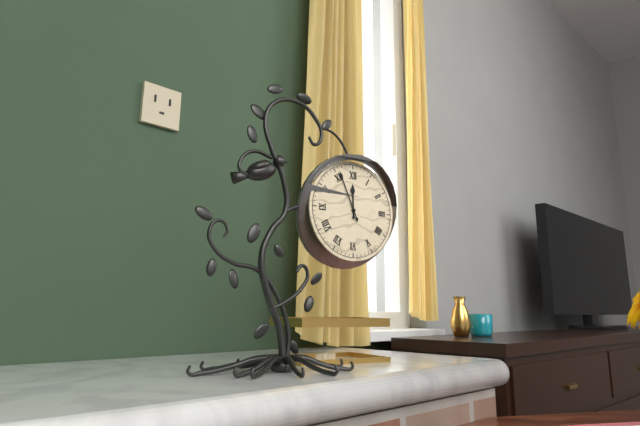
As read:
11,56
